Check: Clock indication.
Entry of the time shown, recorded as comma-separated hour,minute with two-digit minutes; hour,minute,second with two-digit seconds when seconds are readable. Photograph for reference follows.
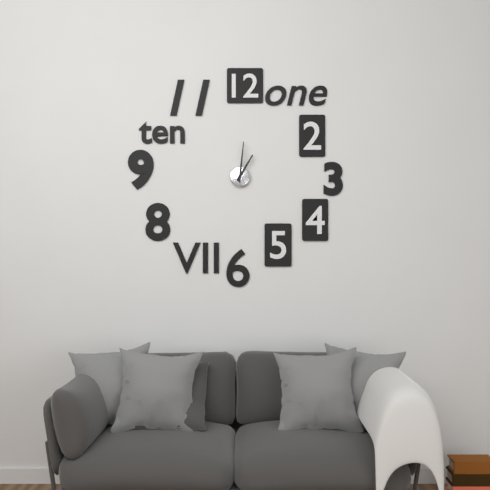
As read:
1,01
